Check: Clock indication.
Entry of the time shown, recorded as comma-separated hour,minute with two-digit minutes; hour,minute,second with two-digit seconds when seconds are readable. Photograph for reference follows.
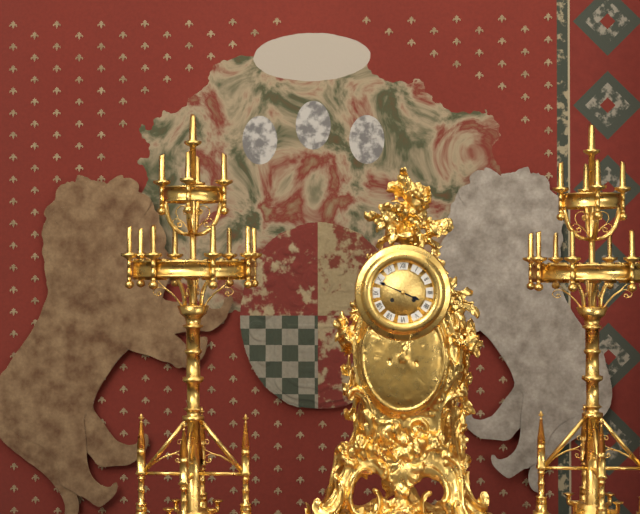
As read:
3,49
